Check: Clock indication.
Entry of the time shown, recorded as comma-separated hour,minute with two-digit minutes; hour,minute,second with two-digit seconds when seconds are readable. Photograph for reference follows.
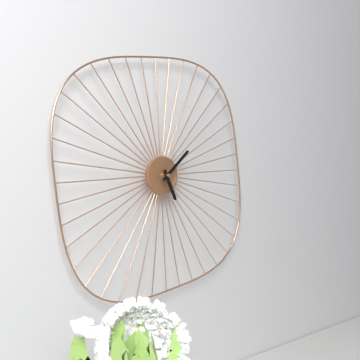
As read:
5,08
